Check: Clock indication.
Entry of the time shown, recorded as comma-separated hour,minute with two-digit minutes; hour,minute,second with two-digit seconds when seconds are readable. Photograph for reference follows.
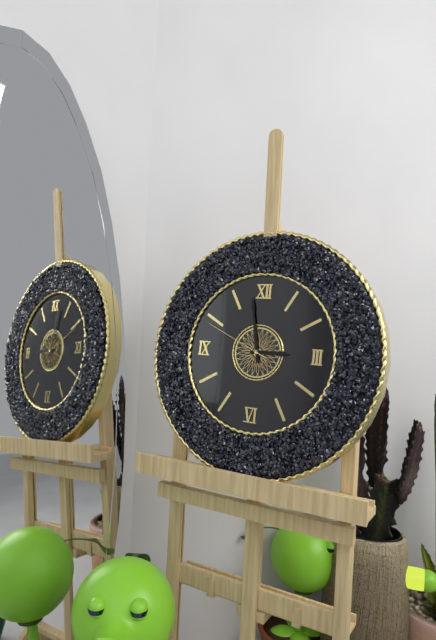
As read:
2,58,49
